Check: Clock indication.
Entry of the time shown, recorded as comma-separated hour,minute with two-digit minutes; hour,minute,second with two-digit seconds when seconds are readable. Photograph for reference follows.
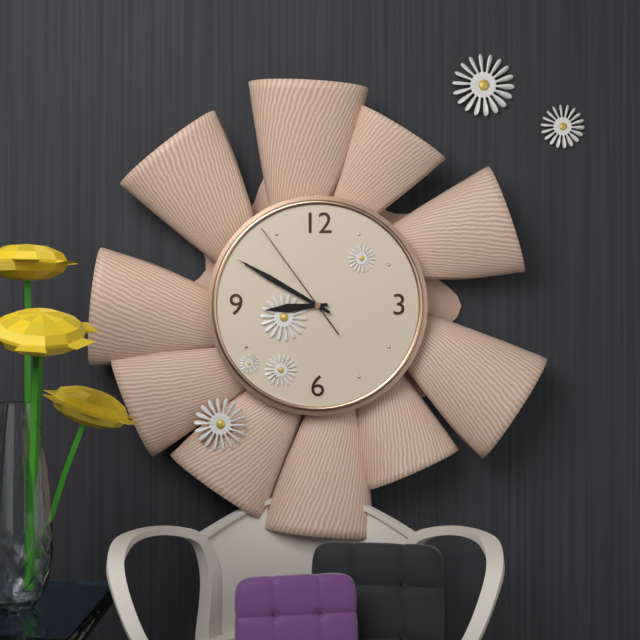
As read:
8,50,54
